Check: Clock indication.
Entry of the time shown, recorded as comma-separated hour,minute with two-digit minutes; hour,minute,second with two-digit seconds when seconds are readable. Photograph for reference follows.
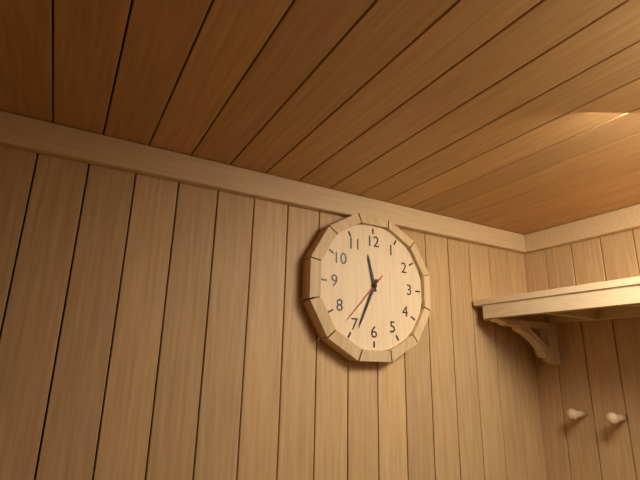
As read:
11,34,37
